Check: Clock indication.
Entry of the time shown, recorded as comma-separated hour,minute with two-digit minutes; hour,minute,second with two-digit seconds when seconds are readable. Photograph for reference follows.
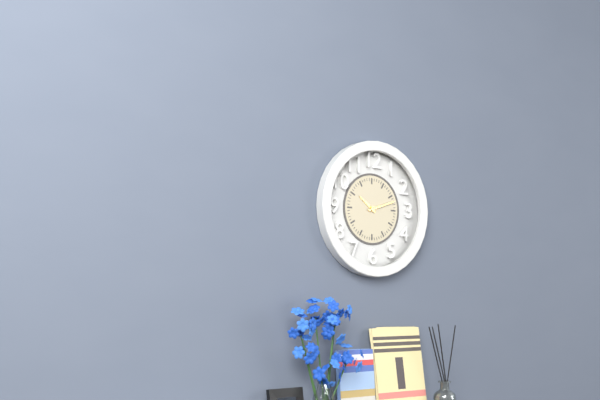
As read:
10,12
